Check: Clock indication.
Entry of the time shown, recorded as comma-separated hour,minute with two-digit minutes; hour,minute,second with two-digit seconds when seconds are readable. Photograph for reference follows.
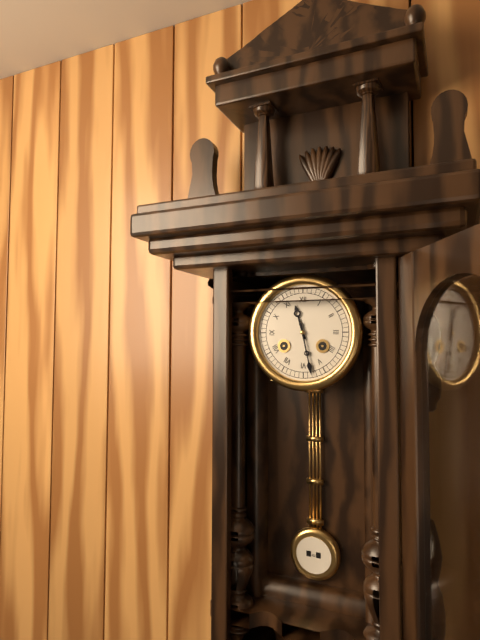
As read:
11,28
